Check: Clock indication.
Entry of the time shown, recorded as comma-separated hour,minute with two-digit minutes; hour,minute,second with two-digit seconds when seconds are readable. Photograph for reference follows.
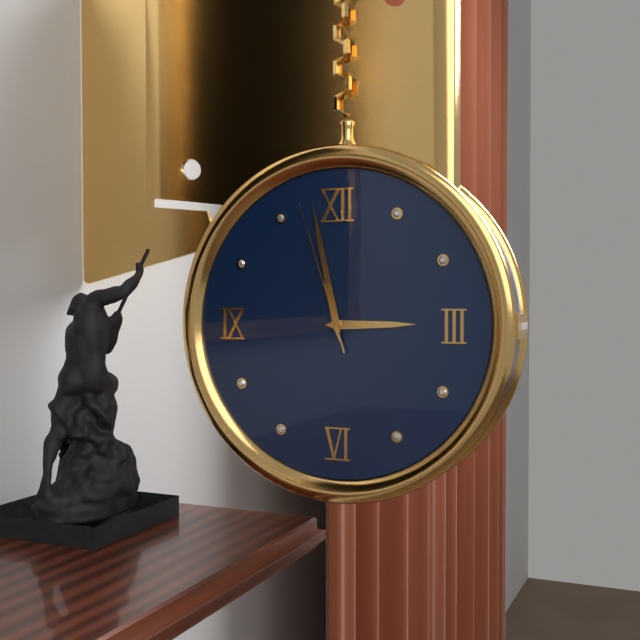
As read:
2,58,57
